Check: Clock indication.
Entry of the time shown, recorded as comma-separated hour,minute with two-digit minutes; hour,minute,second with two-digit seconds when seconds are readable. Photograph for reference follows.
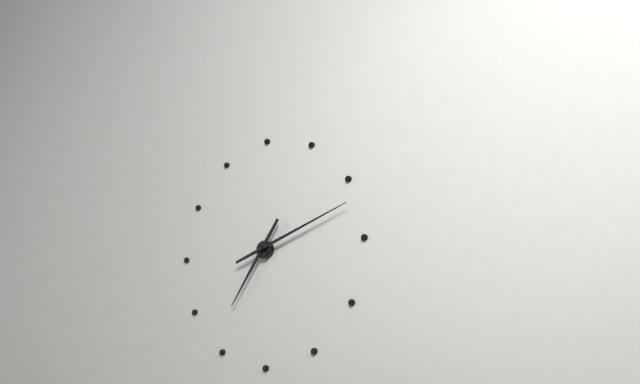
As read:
7,12
